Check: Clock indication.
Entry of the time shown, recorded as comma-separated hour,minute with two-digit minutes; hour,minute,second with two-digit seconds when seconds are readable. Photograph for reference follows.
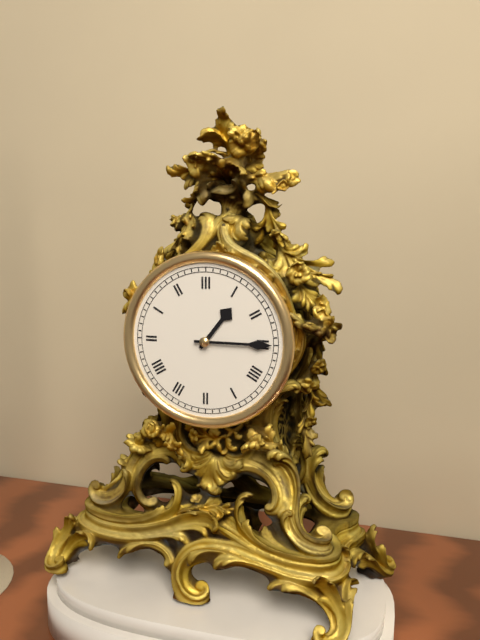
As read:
1,15
